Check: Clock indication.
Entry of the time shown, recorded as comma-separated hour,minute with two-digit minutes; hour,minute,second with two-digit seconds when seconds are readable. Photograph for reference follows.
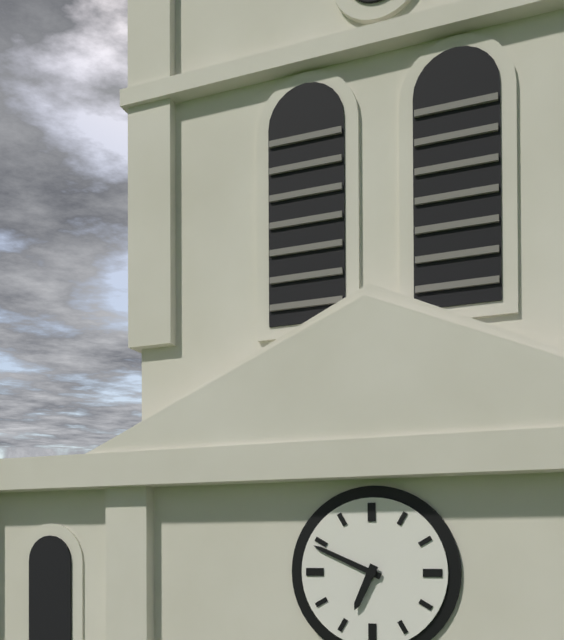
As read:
6,49
